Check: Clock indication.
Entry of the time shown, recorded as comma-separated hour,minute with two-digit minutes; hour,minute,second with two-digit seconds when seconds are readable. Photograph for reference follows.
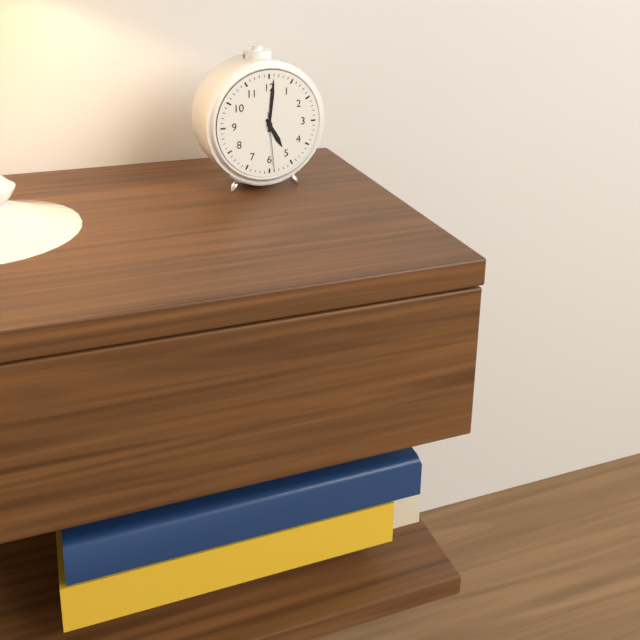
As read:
5,01,29
